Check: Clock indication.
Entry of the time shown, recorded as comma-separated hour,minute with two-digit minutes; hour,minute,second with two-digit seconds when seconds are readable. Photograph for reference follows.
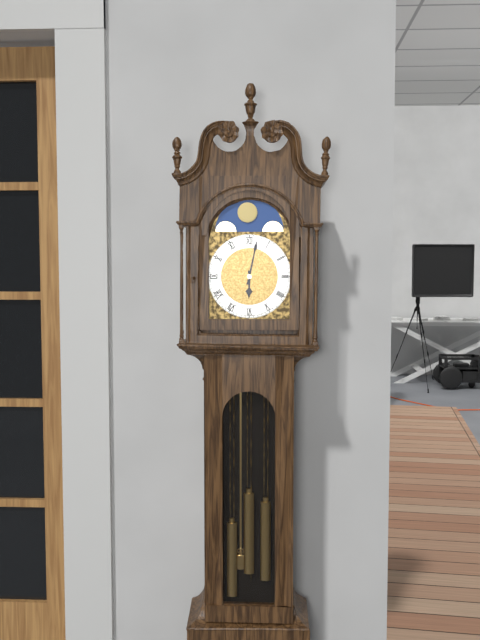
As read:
6,02
